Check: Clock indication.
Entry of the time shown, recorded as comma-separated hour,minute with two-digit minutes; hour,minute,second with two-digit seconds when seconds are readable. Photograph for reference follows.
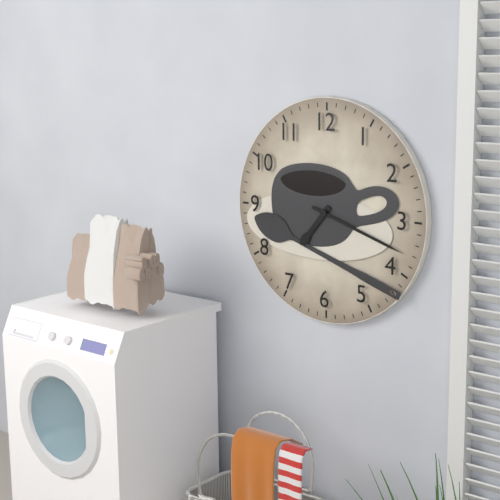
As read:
7,18
